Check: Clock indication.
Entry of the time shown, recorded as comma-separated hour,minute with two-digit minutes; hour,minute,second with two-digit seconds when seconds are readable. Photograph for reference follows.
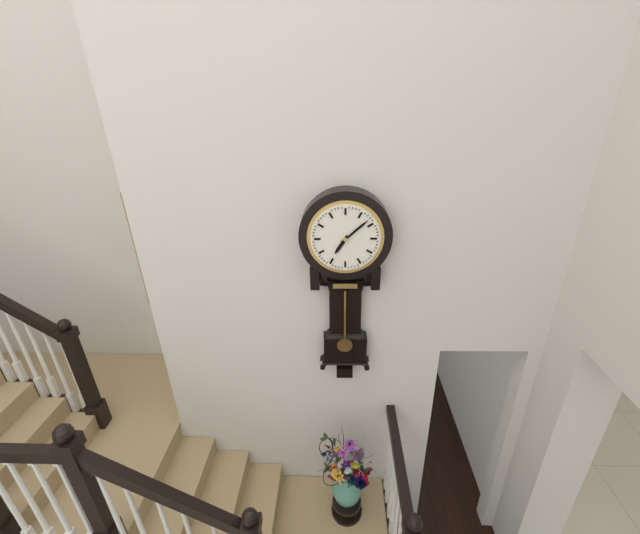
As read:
7,08
